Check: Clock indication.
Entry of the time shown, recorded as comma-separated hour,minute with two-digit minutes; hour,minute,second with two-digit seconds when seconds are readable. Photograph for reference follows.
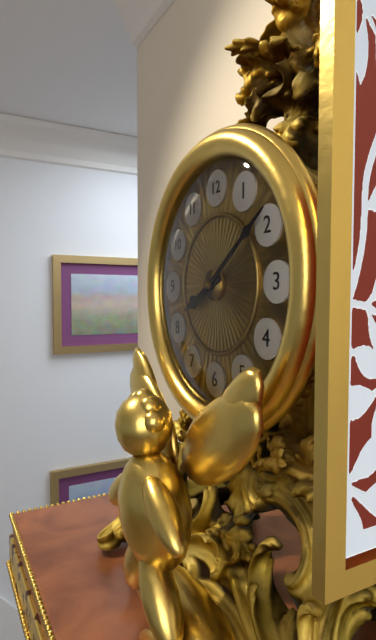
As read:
8,09
